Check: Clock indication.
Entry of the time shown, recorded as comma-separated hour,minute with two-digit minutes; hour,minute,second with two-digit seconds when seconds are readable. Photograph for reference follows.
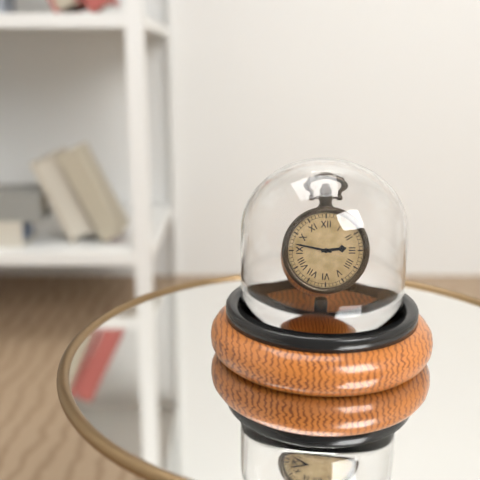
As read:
2,47
